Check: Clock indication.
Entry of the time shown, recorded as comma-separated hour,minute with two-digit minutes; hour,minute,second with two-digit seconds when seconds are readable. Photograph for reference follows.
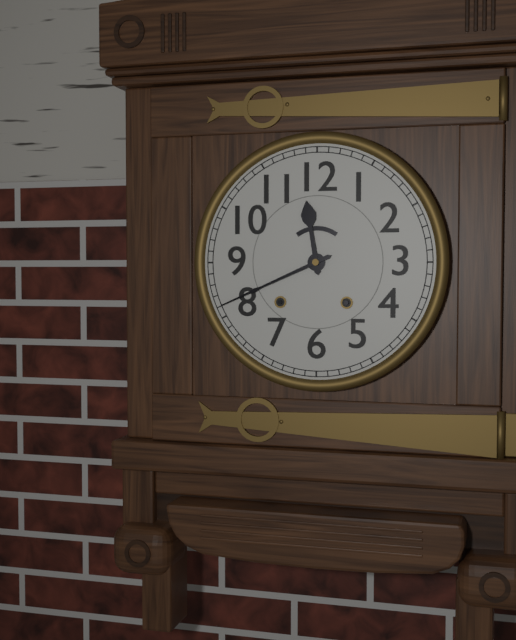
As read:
11,41
